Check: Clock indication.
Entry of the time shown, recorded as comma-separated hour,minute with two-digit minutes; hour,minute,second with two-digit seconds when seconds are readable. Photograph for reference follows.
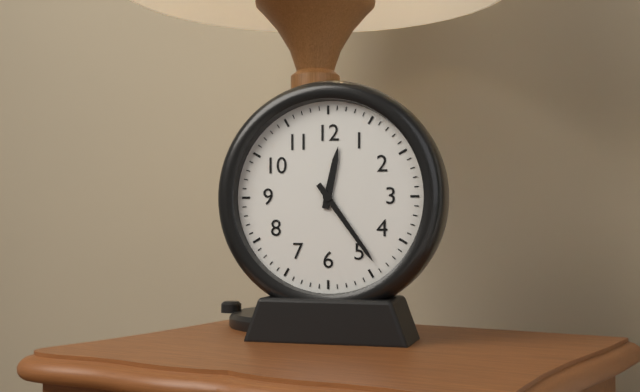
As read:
12,24
